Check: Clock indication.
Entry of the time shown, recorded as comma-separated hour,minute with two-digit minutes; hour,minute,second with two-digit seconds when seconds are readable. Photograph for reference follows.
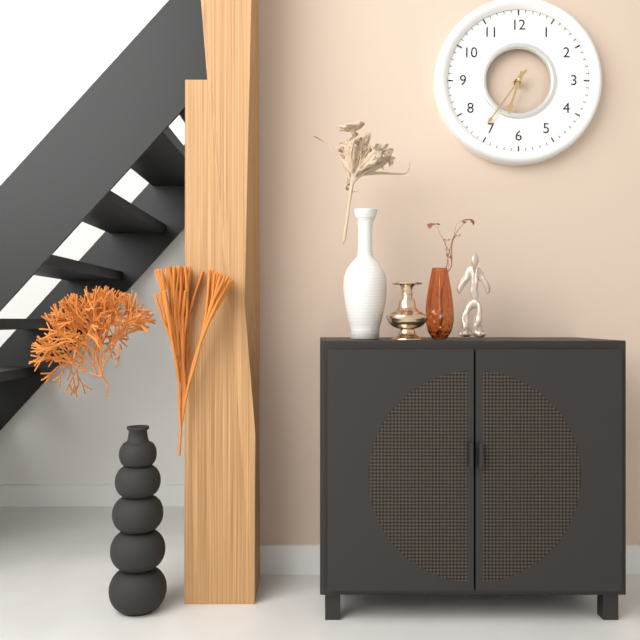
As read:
6,36
